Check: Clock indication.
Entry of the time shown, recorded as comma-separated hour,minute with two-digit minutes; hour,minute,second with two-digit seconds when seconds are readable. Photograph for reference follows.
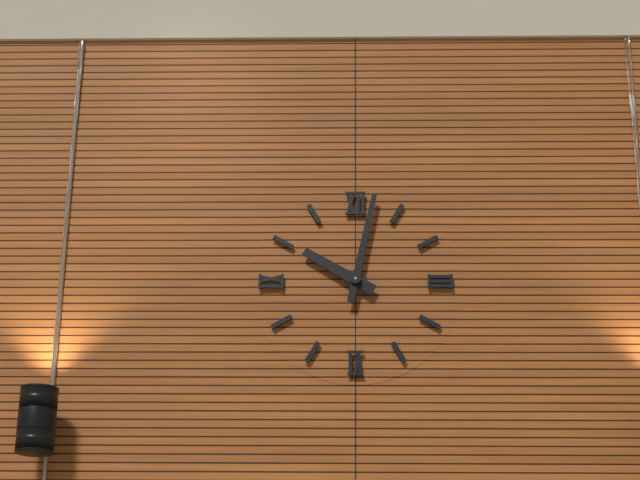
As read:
10,02
